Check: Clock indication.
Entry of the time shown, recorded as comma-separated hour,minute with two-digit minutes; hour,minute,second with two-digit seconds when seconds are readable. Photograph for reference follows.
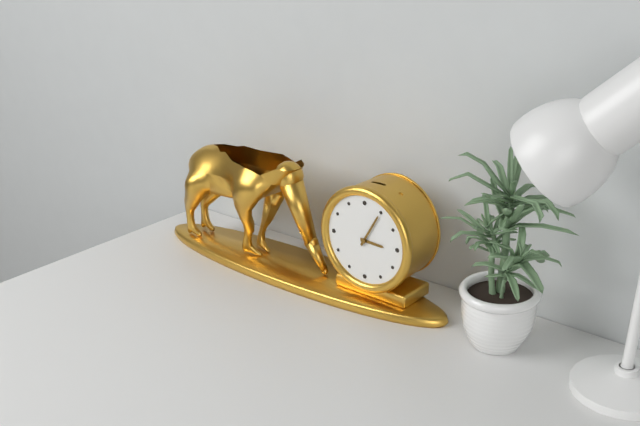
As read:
3,05
